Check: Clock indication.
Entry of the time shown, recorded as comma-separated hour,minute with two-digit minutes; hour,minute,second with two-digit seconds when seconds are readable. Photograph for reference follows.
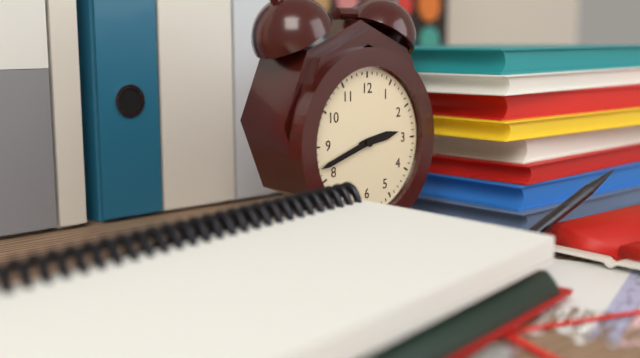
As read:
2,42
